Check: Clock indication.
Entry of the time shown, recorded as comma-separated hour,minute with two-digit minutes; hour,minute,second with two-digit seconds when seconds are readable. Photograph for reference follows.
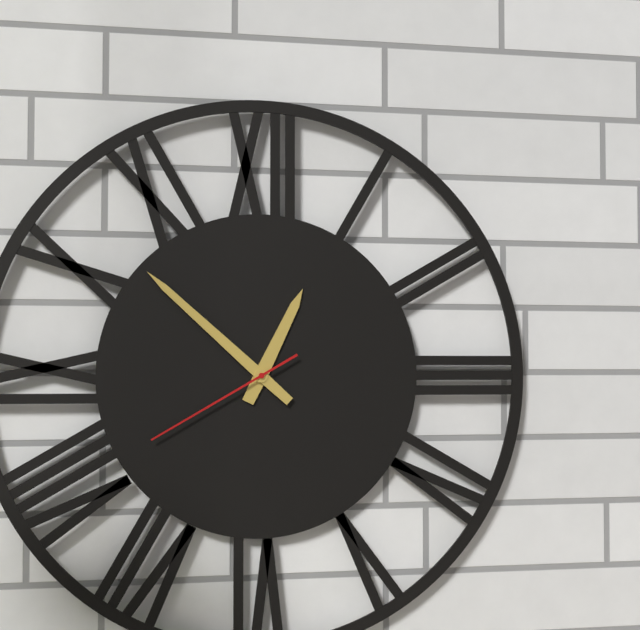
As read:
12,52,40
